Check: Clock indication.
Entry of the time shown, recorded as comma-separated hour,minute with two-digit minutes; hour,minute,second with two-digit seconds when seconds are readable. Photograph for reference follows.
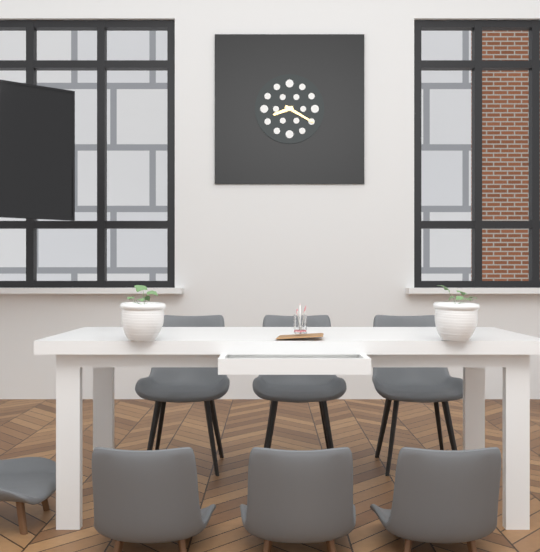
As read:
8,20
